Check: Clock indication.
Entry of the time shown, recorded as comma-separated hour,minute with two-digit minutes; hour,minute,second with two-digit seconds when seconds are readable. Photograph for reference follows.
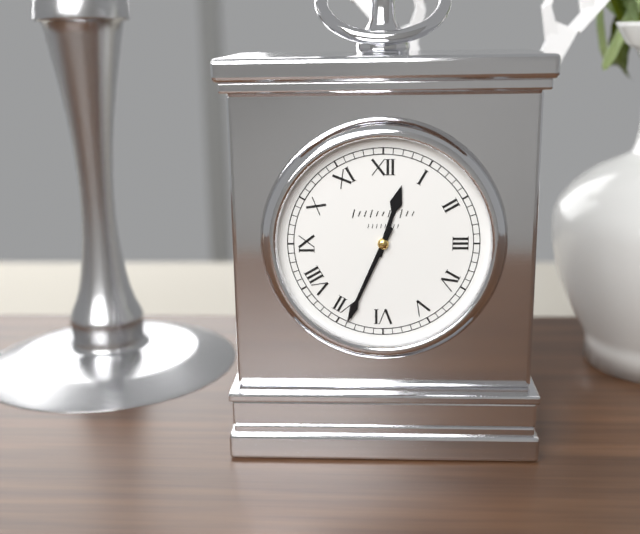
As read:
12,34
